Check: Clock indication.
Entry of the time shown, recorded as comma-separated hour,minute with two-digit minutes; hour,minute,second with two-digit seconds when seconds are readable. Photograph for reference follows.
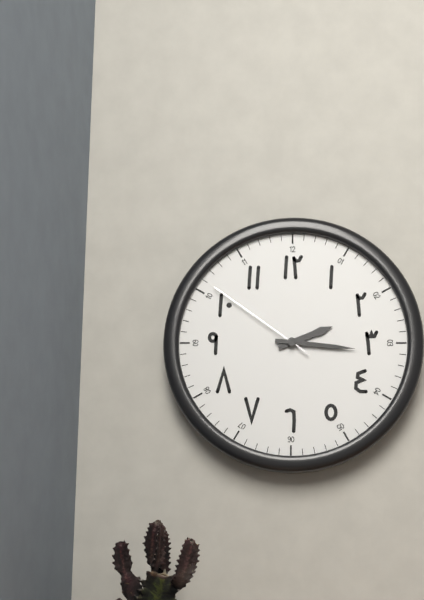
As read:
2,16,51
